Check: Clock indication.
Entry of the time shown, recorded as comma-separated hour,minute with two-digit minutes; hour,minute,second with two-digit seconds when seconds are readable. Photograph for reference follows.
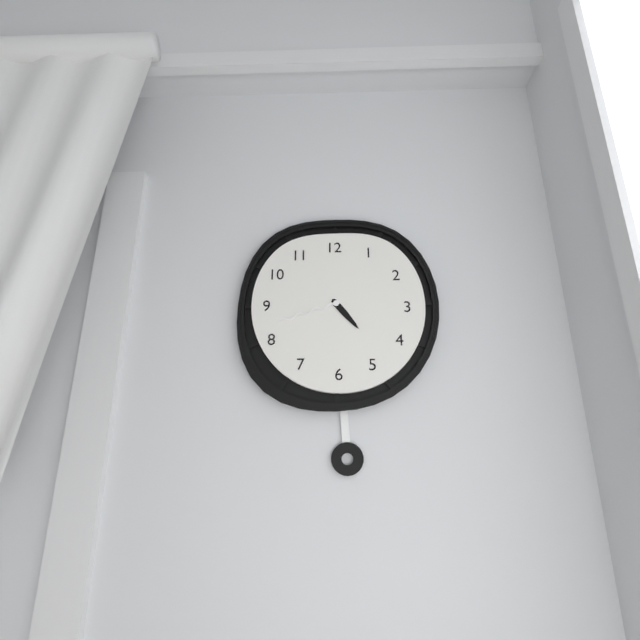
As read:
4,42
